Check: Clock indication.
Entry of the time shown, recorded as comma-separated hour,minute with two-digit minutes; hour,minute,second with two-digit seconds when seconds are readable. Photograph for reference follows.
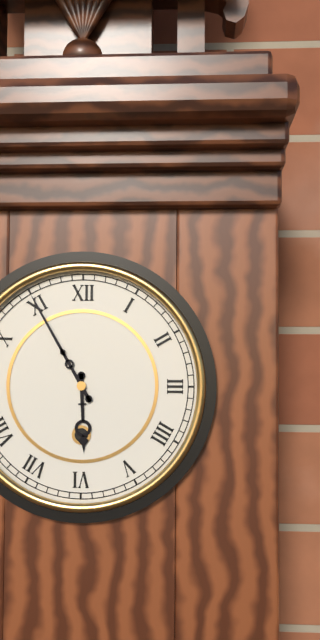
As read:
5,55
